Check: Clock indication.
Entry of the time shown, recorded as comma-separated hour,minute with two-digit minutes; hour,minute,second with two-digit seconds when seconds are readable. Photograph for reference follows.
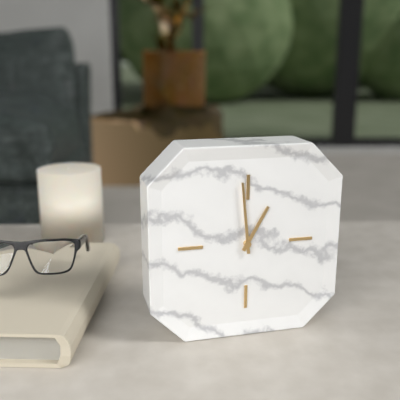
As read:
12,59
